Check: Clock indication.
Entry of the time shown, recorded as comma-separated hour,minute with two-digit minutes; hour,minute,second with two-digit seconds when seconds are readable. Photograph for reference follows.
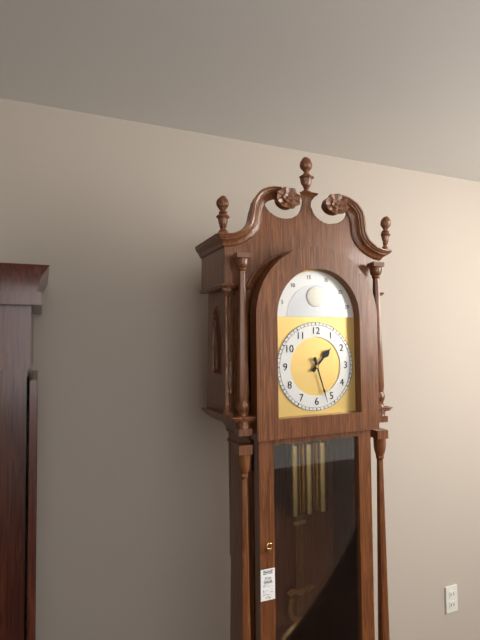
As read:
1,27
